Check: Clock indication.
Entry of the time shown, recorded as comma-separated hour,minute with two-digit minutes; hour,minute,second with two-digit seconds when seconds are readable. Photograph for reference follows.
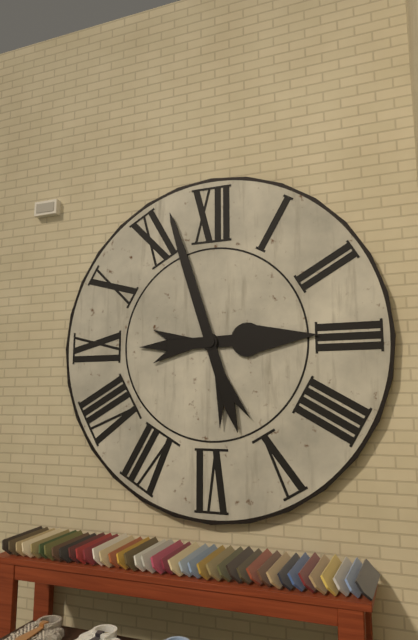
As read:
2,57
